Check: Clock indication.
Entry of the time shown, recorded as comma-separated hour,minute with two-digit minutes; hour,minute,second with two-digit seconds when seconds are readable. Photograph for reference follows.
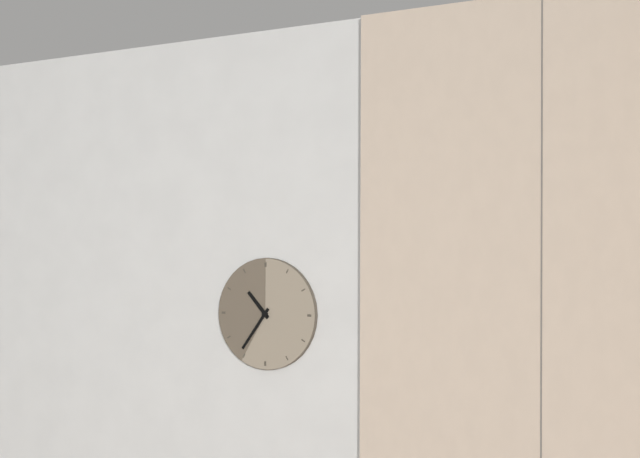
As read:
10,36
